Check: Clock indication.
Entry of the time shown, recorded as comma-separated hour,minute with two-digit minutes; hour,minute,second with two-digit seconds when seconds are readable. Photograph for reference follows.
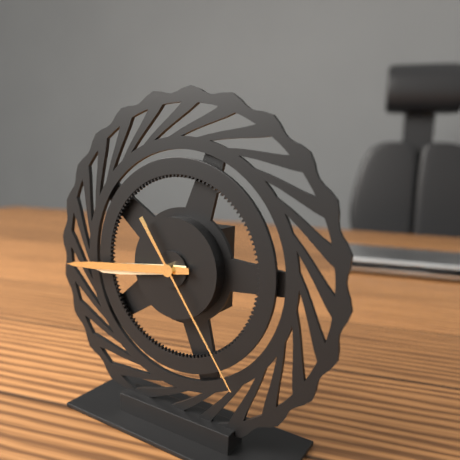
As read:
8,44,24
